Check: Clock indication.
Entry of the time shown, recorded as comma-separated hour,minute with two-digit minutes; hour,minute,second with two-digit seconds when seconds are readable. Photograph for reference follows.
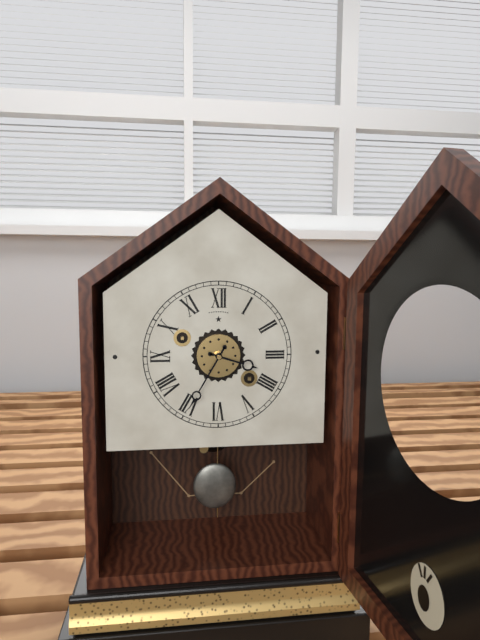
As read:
3,35
